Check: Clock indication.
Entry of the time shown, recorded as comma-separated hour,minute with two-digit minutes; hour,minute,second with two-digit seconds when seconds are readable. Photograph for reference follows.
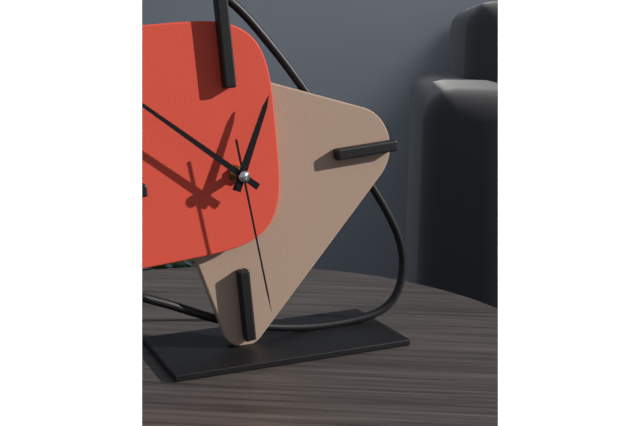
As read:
12,52,29
